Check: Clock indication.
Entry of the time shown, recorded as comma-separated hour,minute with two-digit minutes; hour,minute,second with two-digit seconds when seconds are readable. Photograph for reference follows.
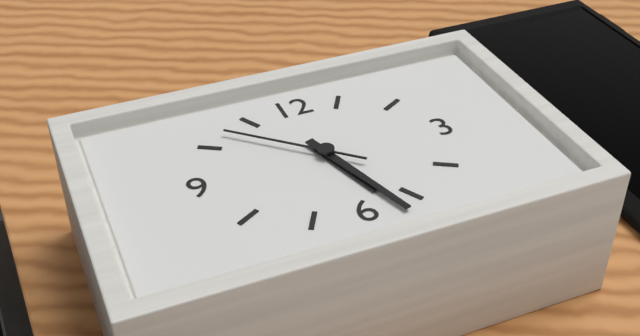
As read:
5,27,52
